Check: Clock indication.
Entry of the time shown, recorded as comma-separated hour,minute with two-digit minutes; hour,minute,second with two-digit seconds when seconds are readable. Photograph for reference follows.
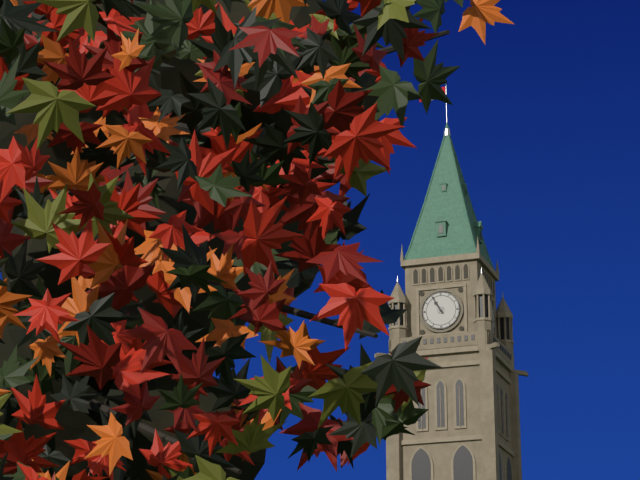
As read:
10,55
